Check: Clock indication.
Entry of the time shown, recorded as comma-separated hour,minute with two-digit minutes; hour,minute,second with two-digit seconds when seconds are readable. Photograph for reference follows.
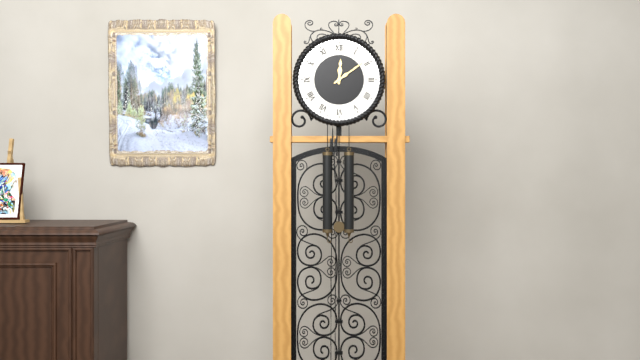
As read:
12,09
